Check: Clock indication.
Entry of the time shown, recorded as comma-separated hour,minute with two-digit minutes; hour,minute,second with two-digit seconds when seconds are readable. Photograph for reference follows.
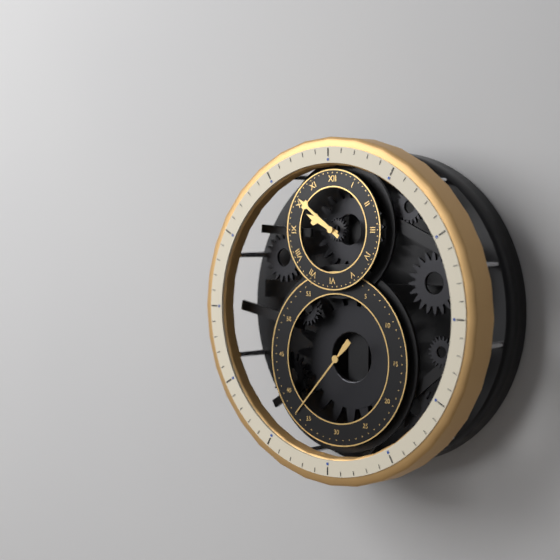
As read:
9,51,37
